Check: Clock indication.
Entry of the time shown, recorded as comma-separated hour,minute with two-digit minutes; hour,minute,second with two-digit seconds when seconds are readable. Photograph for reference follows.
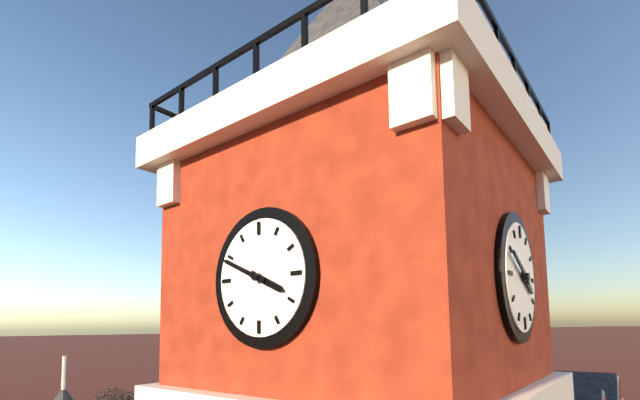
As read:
3,49
